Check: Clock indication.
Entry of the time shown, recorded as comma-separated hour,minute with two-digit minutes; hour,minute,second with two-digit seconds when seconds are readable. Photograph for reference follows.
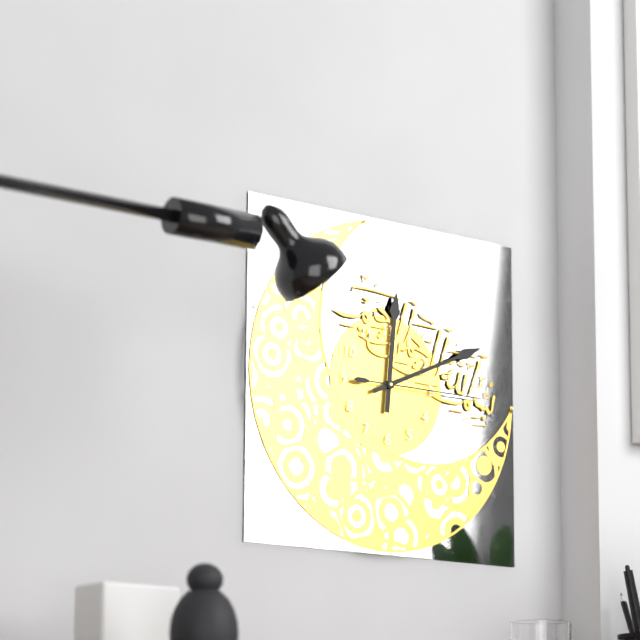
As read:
12,11,15
